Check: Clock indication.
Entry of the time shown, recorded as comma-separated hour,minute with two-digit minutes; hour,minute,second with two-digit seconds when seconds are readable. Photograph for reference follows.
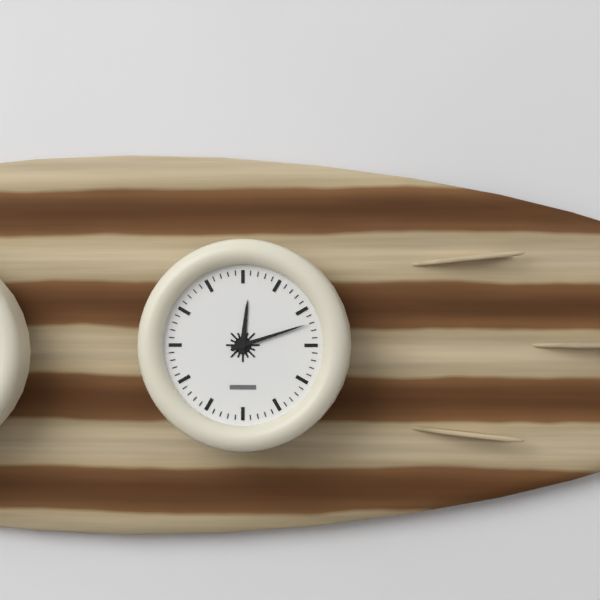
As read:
12,12
